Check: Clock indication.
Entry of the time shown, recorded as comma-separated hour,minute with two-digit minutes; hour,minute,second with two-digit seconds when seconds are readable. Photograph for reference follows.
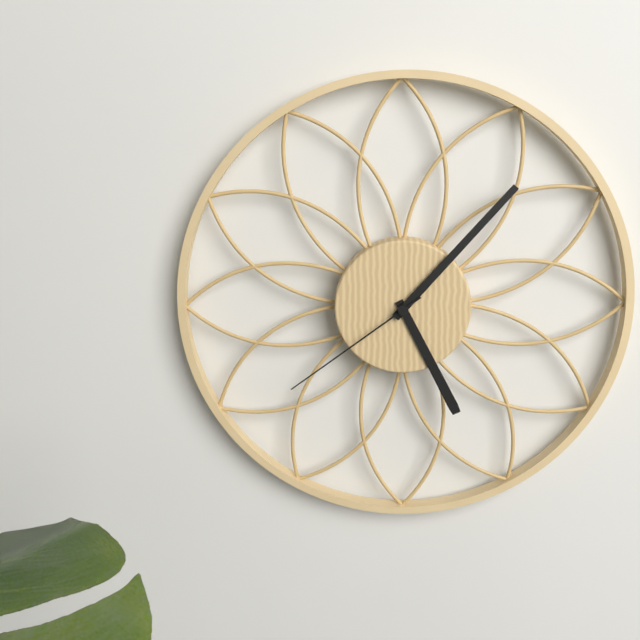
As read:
5,07,39
